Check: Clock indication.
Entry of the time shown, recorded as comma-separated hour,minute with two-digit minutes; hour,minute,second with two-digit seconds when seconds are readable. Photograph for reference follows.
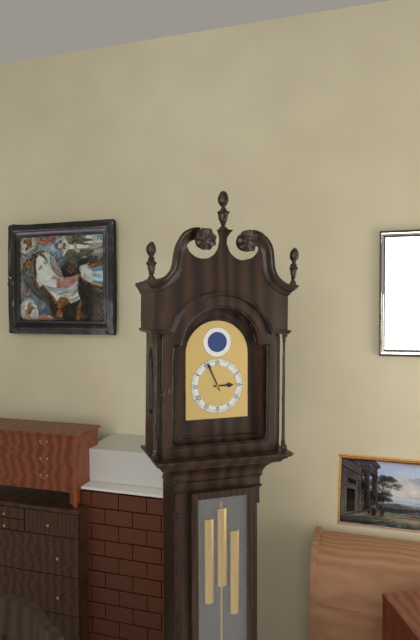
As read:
2,56
